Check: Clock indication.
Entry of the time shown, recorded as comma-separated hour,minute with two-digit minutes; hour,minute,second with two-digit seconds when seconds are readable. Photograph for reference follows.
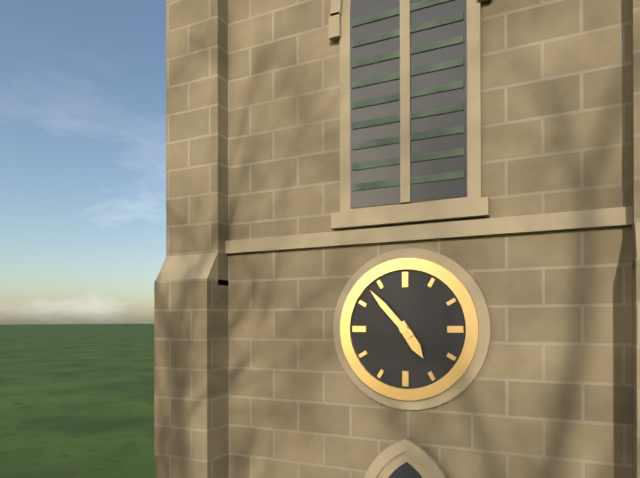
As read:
4,53
